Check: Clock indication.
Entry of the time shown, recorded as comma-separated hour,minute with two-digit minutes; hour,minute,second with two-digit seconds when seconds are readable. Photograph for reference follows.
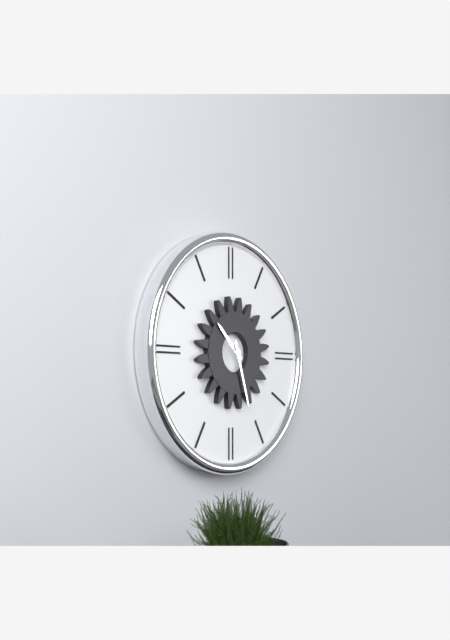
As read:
10,27
